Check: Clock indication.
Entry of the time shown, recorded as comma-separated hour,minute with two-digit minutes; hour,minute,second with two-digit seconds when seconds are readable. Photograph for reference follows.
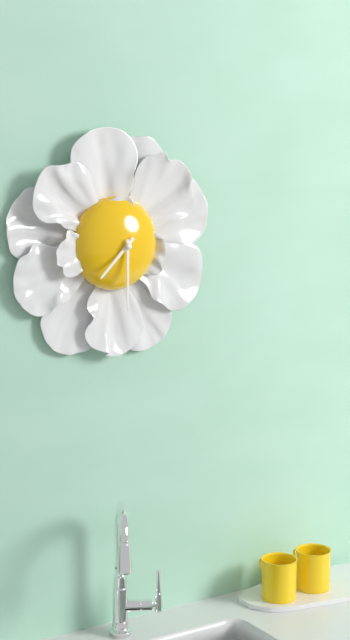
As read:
7,30
